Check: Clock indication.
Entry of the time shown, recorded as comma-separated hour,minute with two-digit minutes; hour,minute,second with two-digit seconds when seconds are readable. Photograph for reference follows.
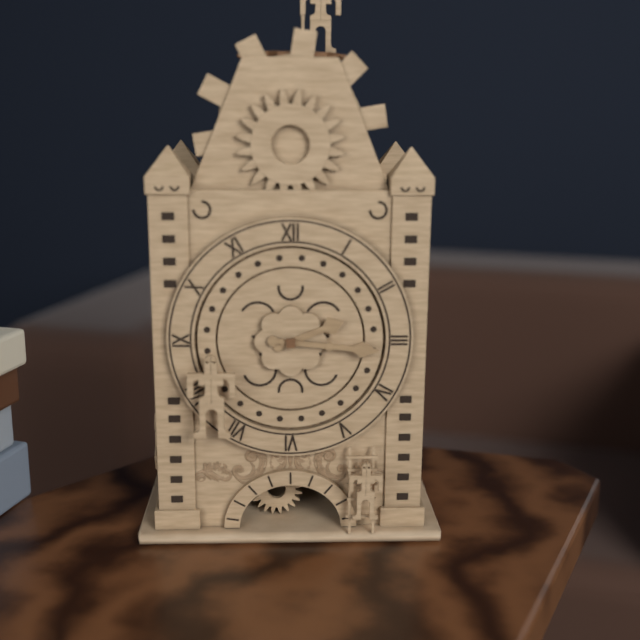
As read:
2,16
